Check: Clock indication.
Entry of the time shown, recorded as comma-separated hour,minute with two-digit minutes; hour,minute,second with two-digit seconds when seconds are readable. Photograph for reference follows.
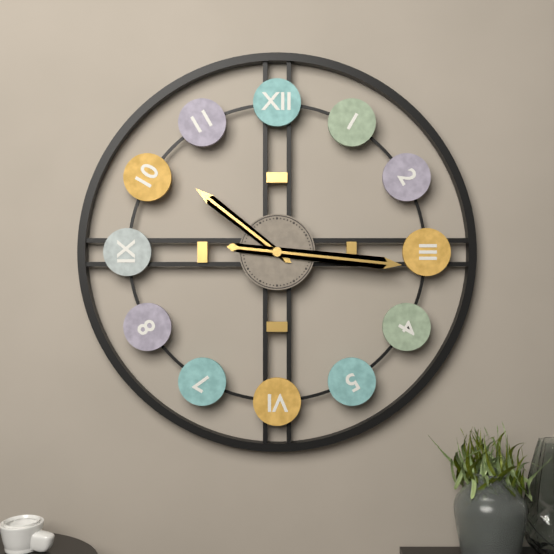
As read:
10,16
